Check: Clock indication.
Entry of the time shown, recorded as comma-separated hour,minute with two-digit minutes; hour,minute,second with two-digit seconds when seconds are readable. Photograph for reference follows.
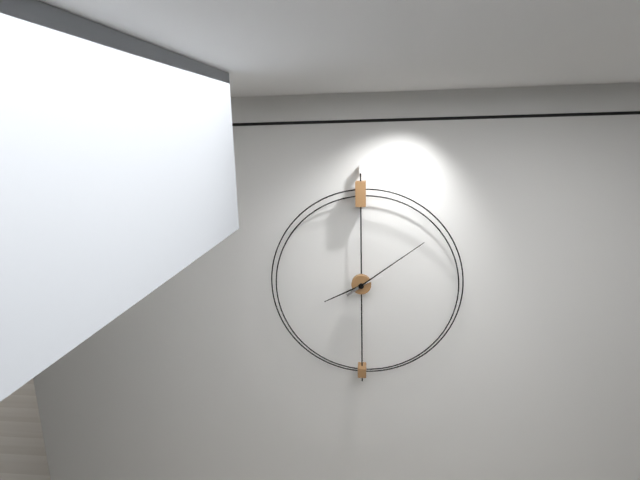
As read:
8,09
